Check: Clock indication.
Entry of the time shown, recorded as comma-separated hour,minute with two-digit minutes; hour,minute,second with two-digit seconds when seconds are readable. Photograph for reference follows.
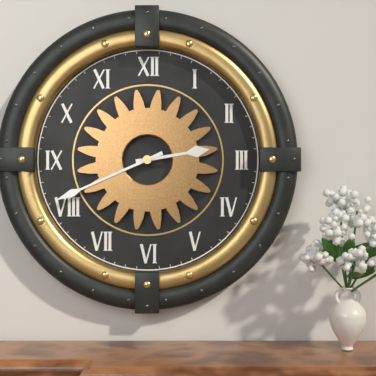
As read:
2,41
